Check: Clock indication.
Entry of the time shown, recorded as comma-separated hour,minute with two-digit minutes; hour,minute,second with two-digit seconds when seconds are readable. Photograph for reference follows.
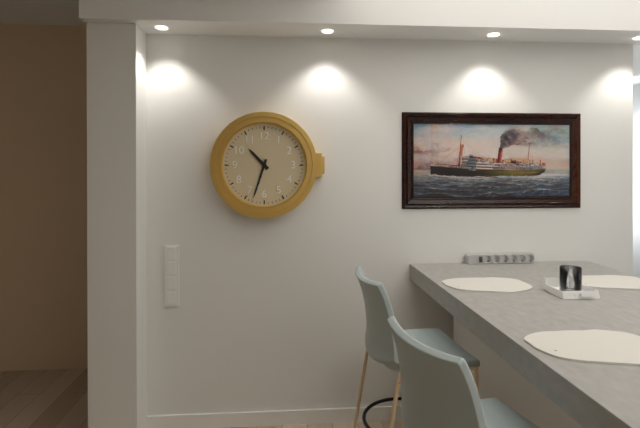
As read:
10,33
